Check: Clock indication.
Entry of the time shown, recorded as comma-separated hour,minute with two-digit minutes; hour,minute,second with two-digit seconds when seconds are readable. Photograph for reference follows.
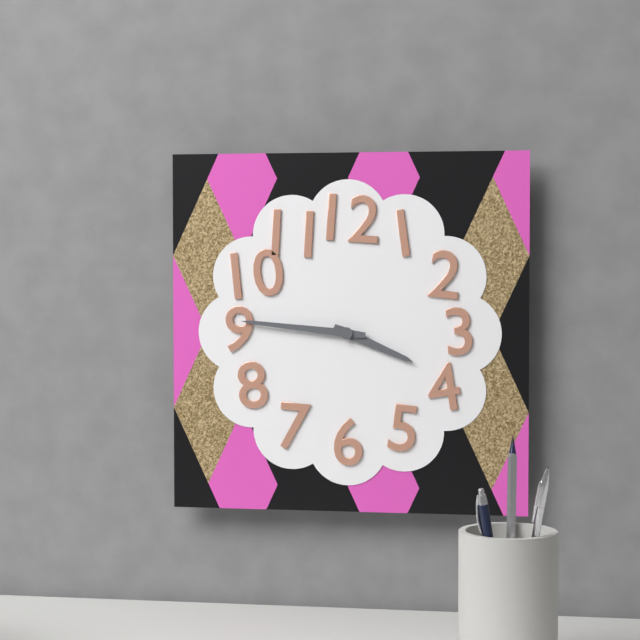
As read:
3,46
